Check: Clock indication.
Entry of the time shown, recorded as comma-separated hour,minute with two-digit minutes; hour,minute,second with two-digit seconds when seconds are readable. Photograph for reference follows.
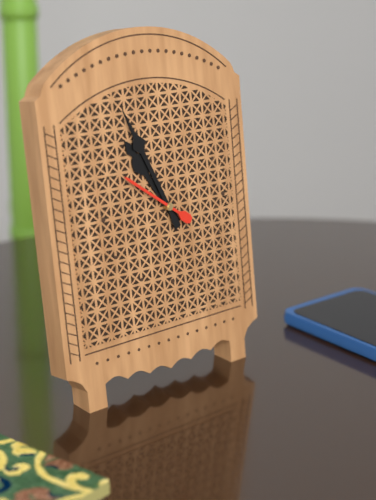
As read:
10,56,51
